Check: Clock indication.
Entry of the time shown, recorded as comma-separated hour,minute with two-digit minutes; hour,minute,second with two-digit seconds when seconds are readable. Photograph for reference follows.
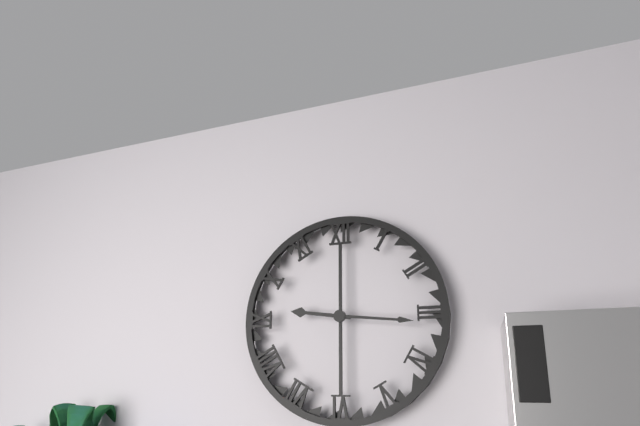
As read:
9,16
